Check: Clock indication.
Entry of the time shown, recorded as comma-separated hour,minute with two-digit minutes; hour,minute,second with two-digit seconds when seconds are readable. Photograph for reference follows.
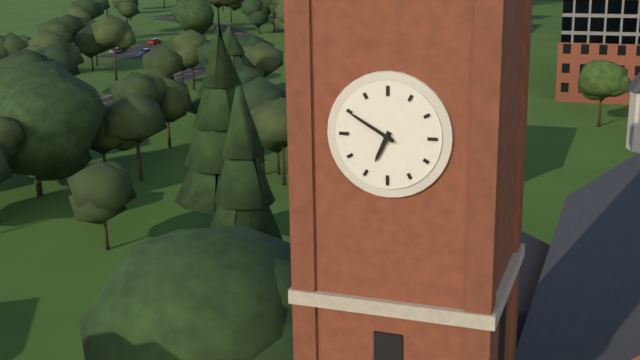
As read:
6,50
